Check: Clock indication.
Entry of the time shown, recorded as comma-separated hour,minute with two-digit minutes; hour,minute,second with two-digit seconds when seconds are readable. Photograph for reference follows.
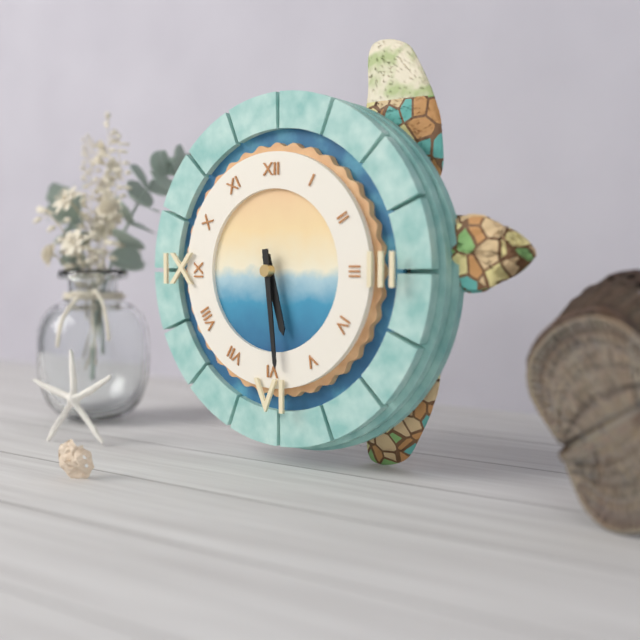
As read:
5,29
